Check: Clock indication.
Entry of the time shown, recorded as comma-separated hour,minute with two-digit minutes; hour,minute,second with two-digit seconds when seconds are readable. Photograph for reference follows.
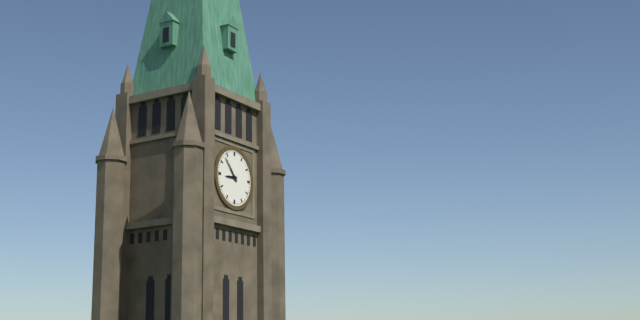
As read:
8,53
